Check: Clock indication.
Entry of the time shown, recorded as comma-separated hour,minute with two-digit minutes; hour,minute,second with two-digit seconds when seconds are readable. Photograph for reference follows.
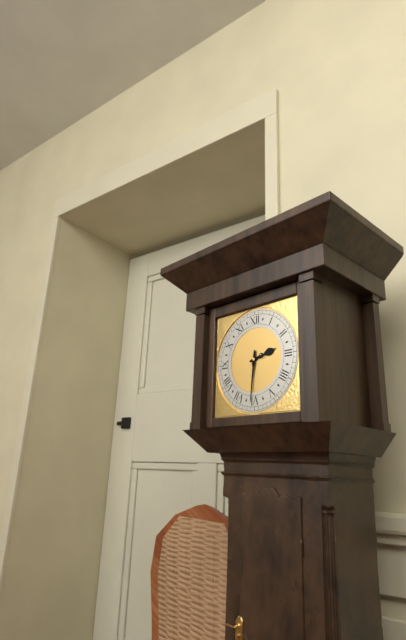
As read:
2,31
